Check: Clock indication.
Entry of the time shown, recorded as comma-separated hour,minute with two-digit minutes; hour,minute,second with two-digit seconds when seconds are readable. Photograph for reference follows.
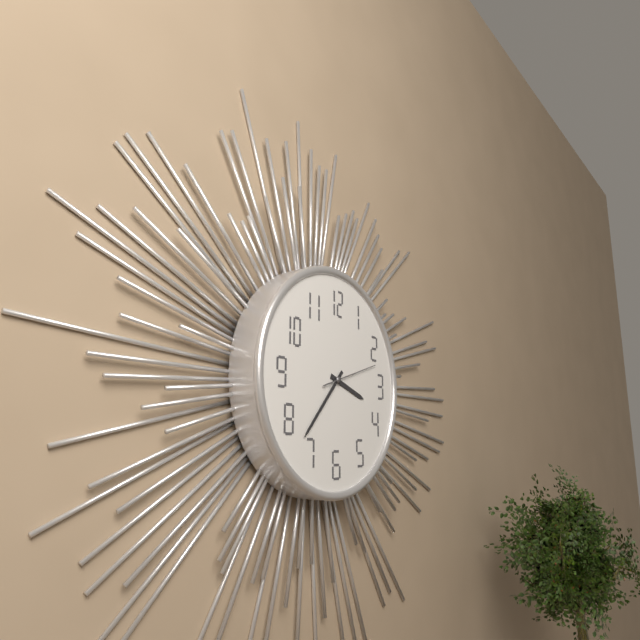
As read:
3,37,12
